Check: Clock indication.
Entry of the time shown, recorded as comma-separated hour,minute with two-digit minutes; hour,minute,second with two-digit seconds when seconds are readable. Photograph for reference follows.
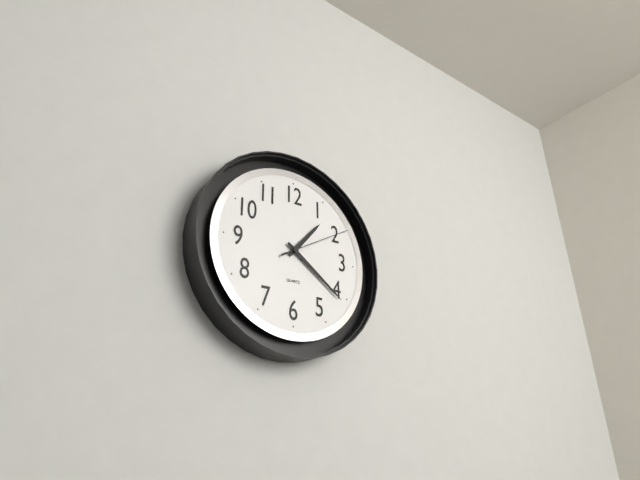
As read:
1,21,10
